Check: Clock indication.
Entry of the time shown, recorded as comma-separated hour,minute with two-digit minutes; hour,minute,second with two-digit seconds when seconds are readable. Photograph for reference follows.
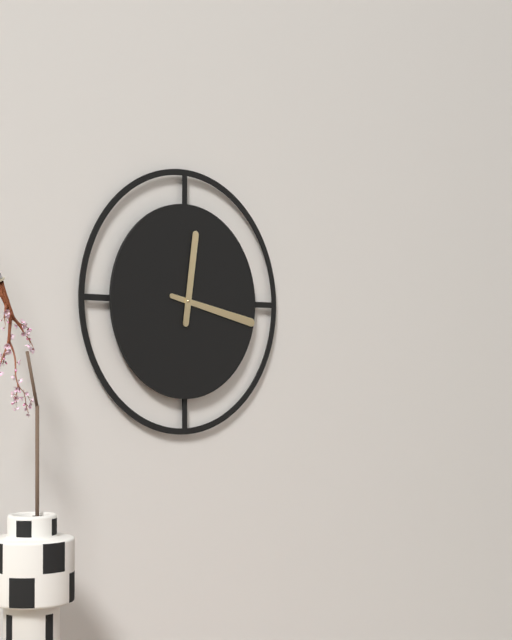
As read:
12,17
